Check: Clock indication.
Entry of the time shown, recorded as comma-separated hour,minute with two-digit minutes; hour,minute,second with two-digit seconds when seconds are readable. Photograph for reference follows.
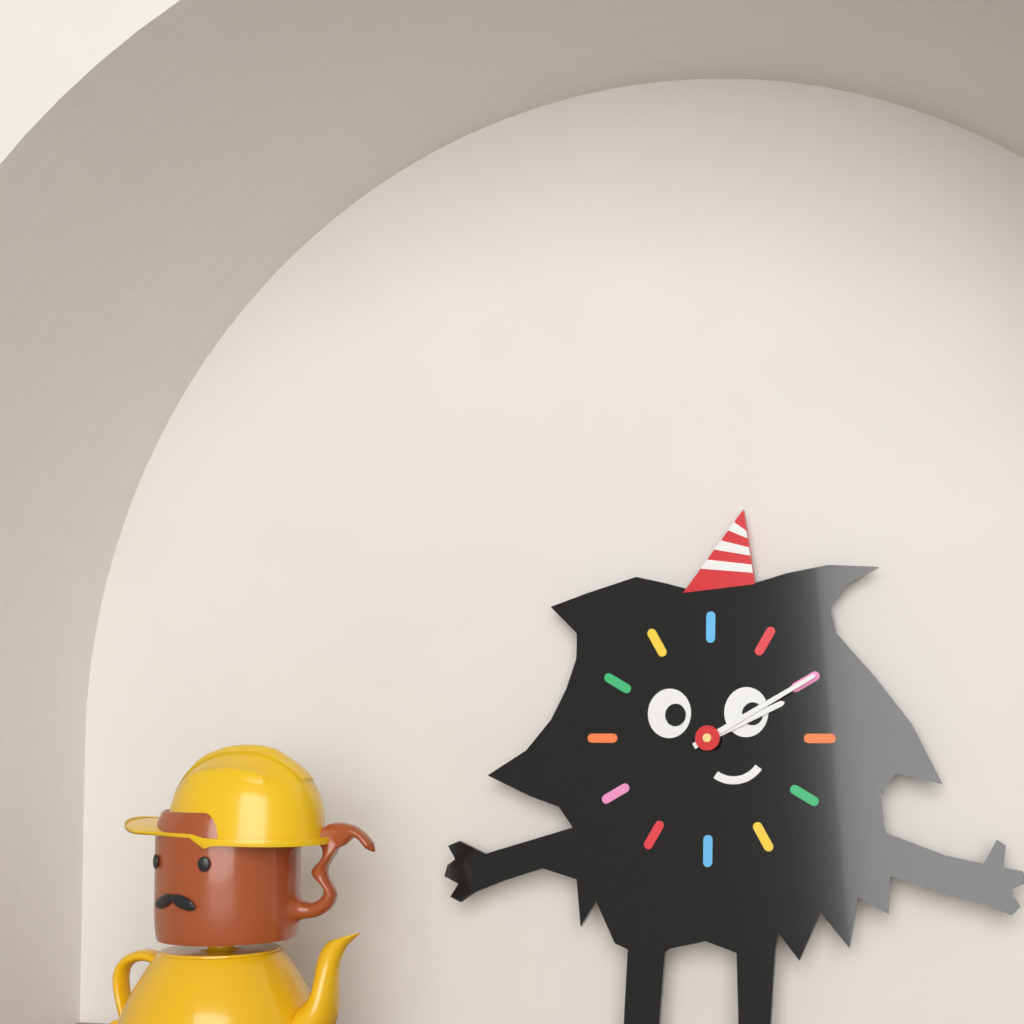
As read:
2,10
